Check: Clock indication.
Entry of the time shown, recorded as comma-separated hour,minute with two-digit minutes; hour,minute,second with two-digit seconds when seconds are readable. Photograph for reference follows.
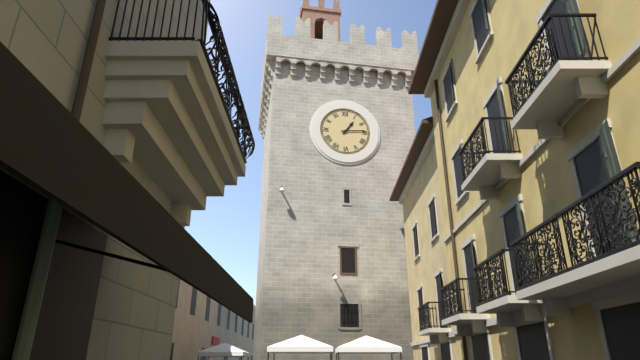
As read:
1,14
